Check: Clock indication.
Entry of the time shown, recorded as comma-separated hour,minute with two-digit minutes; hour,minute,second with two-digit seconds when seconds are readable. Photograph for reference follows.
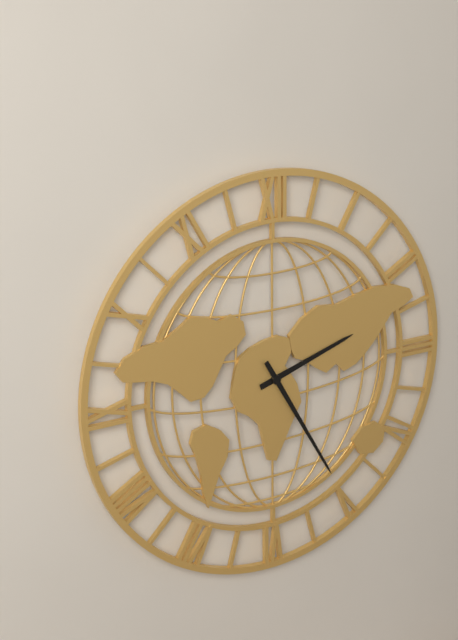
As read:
2,25
